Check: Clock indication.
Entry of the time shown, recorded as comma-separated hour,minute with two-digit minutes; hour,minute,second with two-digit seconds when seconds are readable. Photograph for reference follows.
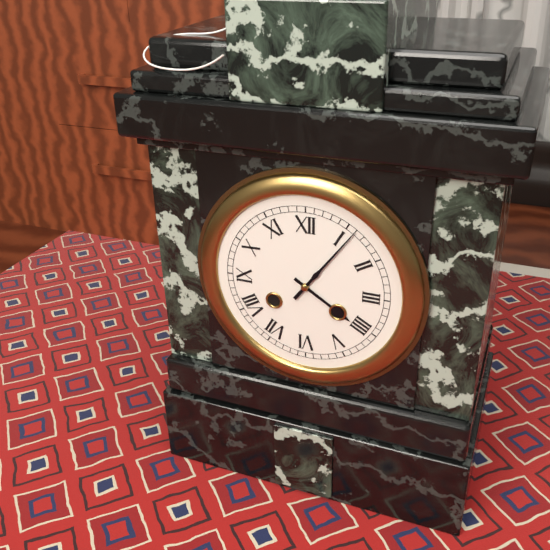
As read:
4,06
